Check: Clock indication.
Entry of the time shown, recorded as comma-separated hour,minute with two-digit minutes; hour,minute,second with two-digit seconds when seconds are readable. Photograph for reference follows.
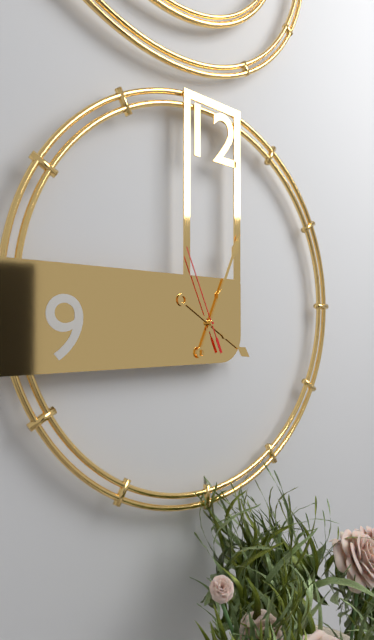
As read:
4,04,56
